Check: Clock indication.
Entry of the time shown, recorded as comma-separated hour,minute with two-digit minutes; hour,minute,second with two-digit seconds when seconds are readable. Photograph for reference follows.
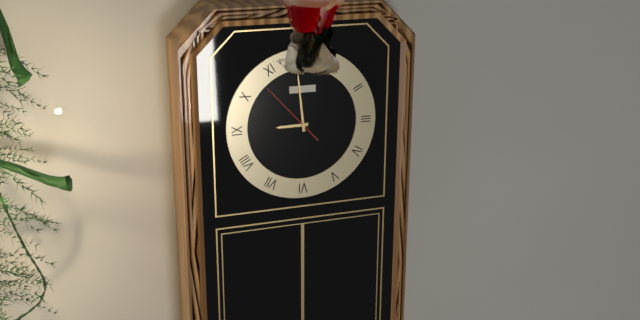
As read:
8,59,53
